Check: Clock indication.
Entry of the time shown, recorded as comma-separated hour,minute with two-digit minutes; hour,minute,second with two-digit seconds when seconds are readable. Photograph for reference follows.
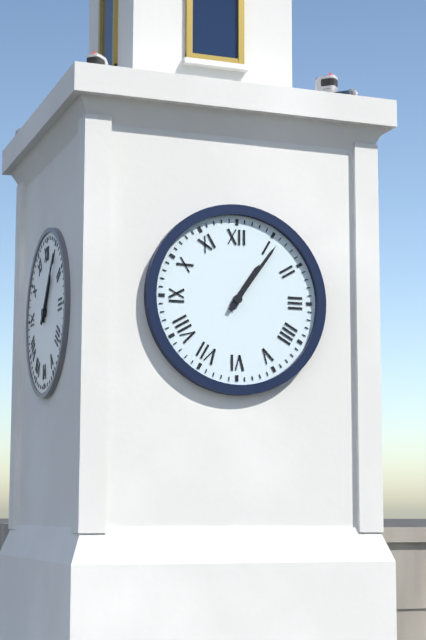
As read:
1,06
